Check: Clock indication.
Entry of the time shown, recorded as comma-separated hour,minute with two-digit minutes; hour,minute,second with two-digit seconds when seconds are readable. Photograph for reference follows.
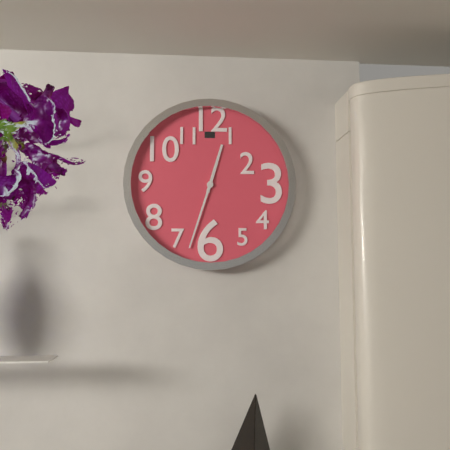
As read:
12,33
